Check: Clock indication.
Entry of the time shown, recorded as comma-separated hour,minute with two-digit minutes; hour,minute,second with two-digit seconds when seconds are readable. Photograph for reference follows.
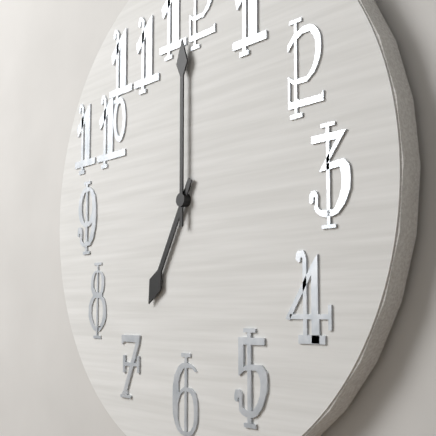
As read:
7,00
